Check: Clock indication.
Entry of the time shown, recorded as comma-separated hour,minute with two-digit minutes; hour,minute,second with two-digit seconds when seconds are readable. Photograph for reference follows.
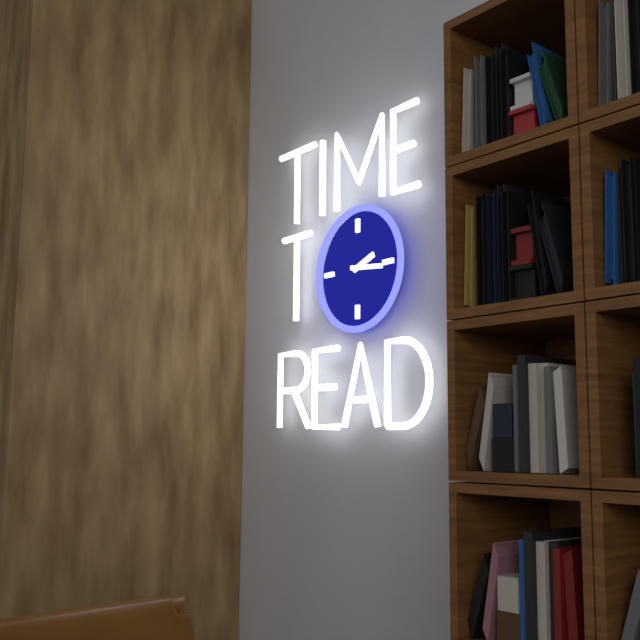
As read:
2,16
